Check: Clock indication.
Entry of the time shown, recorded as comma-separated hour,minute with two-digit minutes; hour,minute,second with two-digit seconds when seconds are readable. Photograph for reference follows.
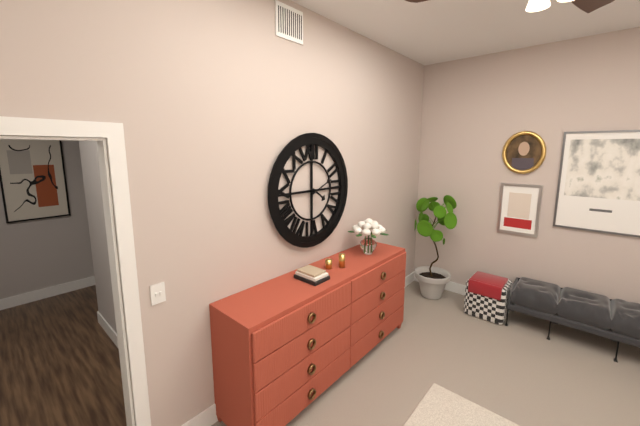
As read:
4,11
